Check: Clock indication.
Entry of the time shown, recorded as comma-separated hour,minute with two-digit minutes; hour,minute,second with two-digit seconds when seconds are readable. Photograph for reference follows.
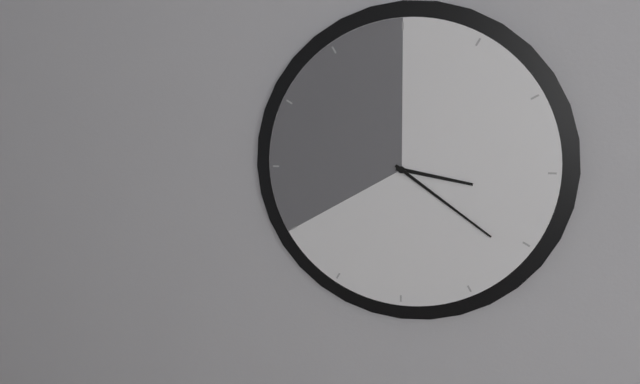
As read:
3,21
